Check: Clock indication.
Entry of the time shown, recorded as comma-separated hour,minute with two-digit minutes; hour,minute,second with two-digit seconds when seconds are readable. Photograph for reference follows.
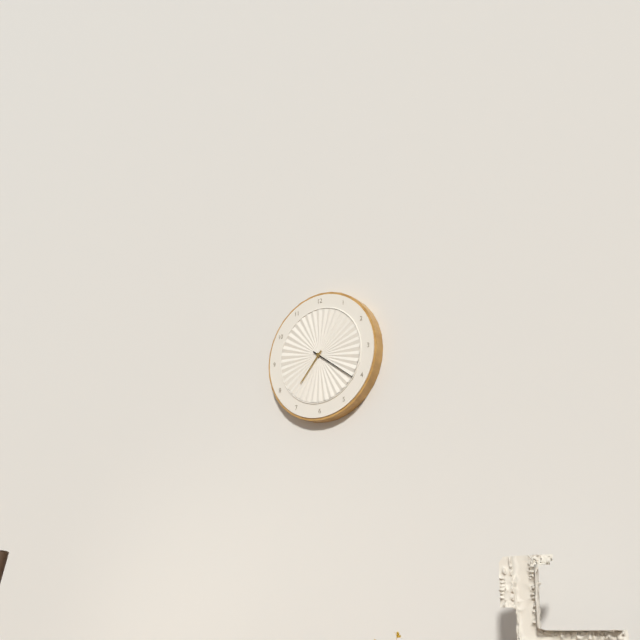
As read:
7,21
